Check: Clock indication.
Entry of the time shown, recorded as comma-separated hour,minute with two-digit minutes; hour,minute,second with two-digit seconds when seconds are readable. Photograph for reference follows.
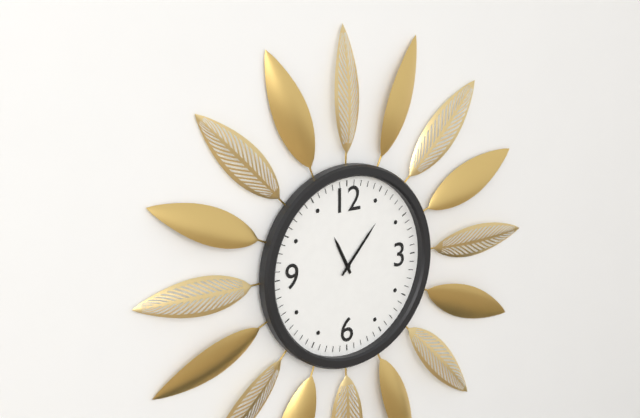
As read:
11,07
